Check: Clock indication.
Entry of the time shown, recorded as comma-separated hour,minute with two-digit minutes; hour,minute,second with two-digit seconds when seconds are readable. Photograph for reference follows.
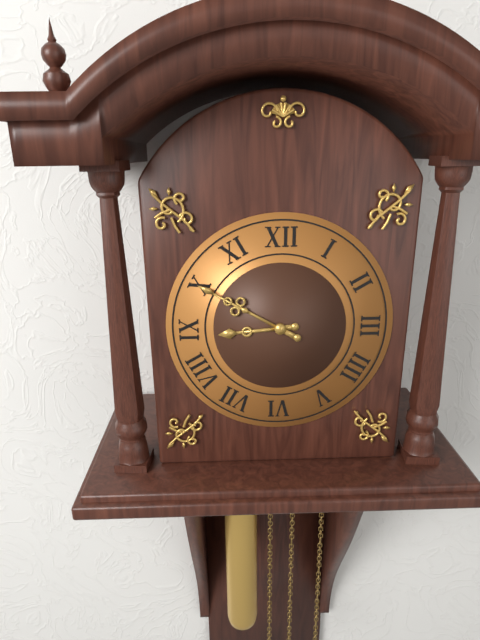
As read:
8,50
